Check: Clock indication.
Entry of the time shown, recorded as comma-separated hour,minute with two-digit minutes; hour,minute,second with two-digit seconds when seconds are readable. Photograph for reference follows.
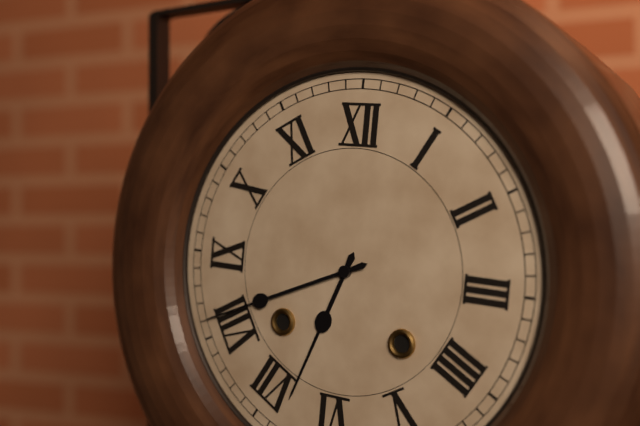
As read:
6,41
